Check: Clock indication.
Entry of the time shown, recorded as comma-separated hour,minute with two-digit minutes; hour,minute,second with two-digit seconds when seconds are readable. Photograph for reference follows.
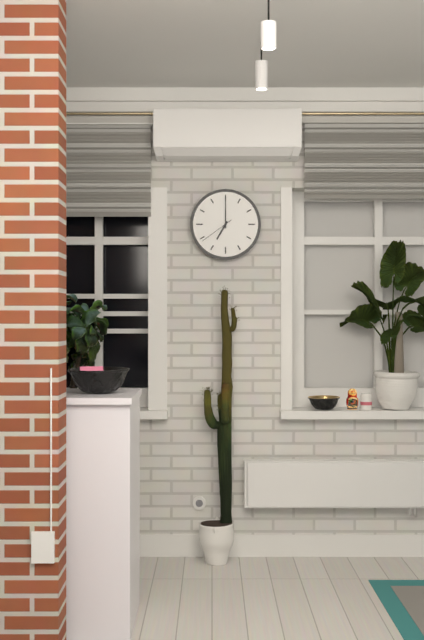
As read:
7,00
